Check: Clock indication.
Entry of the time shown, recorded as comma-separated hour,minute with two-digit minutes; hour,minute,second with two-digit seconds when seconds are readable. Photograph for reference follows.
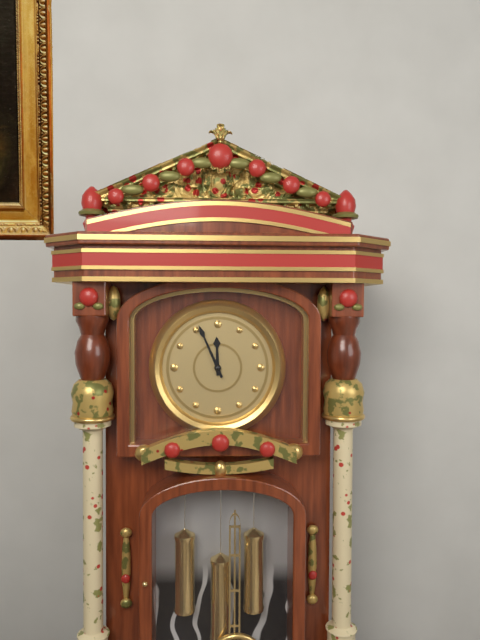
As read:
11,56
